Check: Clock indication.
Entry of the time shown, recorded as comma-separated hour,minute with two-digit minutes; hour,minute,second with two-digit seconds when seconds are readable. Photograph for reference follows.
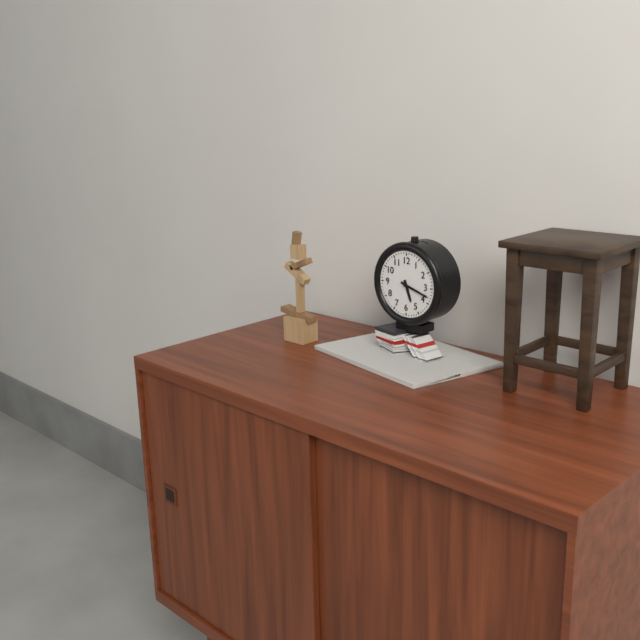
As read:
5,18
